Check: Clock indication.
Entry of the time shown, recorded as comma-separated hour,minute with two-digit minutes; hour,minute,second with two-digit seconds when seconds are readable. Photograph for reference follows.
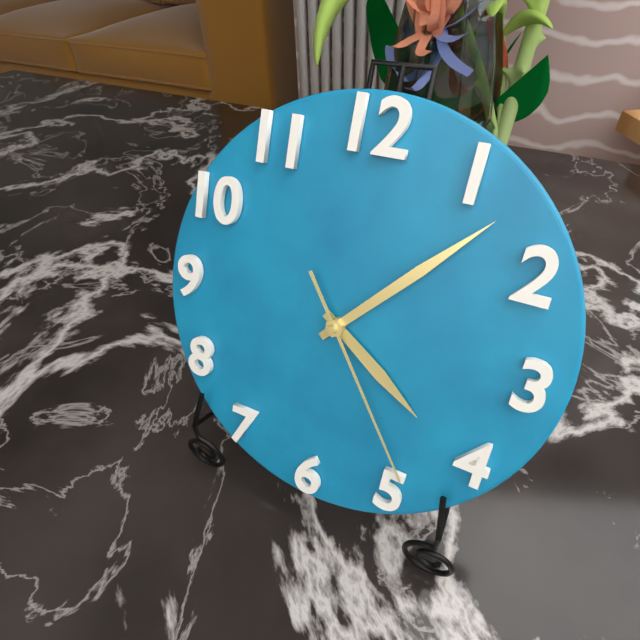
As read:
4,07,24
